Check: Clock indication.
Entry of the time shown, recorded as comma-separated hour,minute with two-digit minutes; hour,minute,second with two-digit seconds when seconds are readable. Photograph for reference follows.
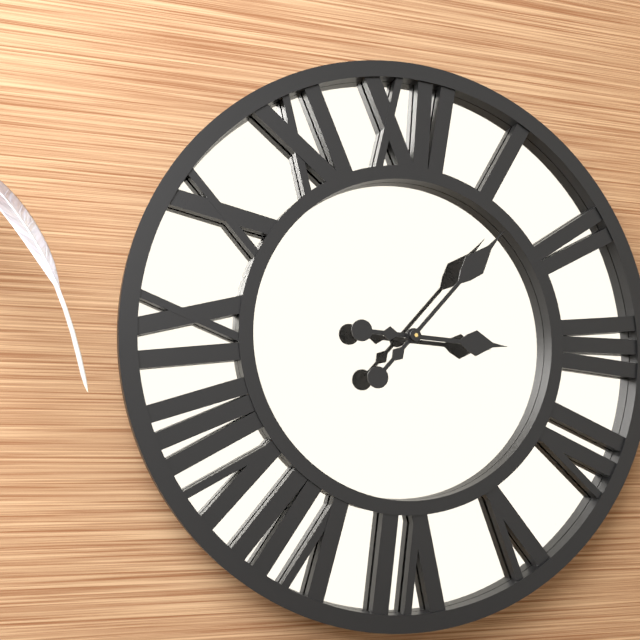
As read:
3,07
